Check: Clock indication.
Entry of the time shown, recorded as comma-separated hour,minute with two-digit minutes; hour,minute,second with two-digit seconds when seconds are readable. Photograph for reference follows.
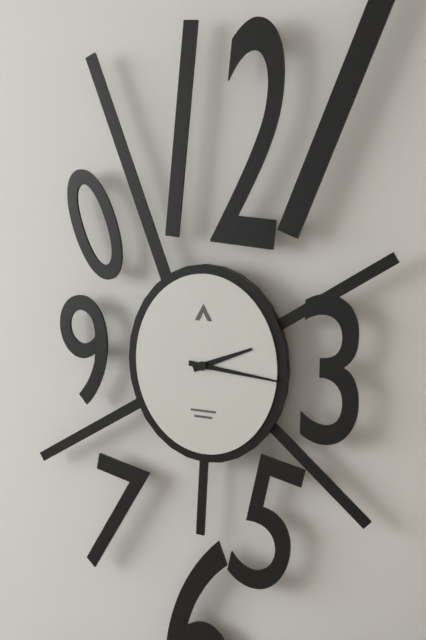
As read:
2,16
